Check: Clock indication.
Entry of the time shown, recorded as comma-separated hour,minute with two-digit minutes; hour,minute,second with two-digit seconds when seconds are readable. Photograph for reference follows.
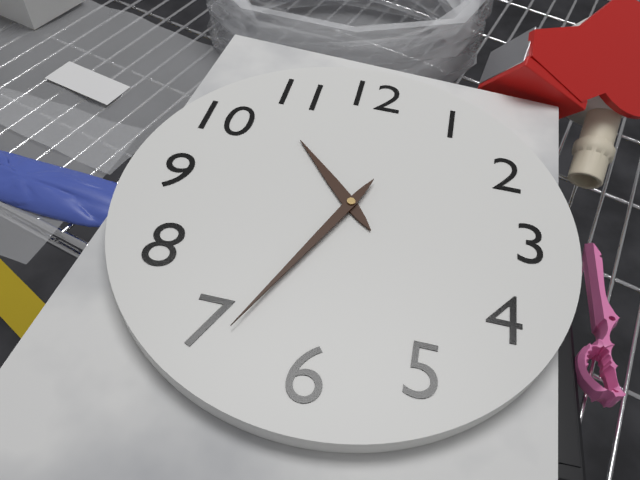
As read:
10,34
